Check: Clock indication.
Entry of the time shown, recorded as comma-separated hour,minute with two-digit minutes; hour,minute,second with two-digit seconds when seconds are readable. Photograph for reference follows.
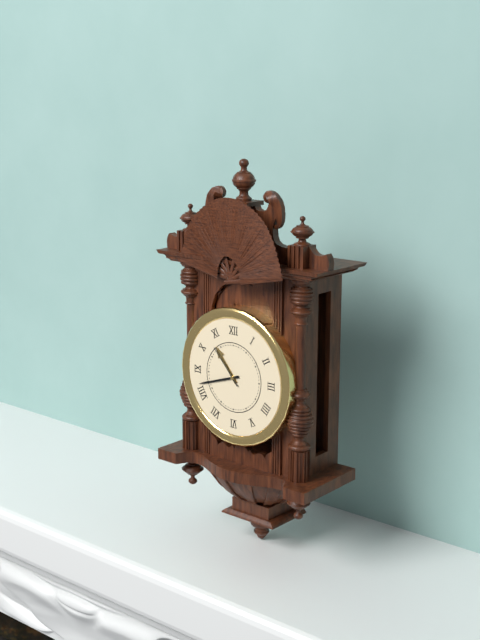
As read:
10,42
